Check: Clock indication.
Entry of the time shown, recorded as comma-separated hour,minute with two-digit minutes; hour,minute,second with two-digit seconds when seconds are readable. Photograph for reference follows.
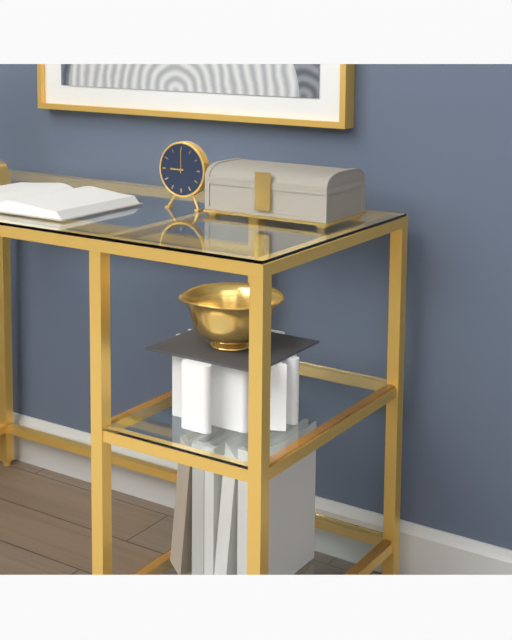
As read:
9,00
